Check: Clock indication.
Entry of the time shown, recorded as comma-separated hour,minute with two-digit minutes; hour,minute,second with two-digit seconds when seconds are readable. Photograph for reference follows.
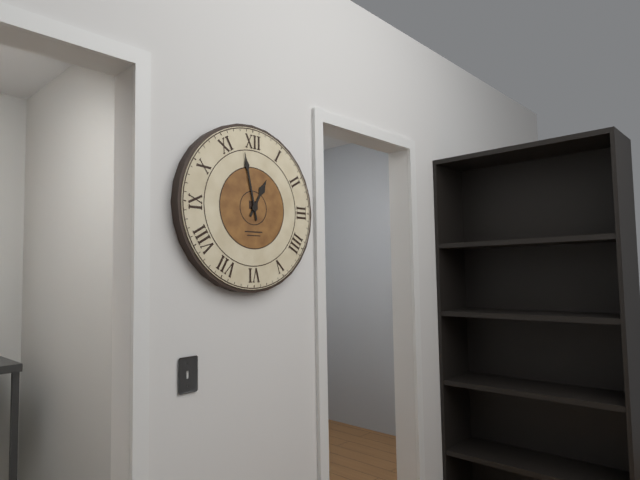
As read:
12,58
